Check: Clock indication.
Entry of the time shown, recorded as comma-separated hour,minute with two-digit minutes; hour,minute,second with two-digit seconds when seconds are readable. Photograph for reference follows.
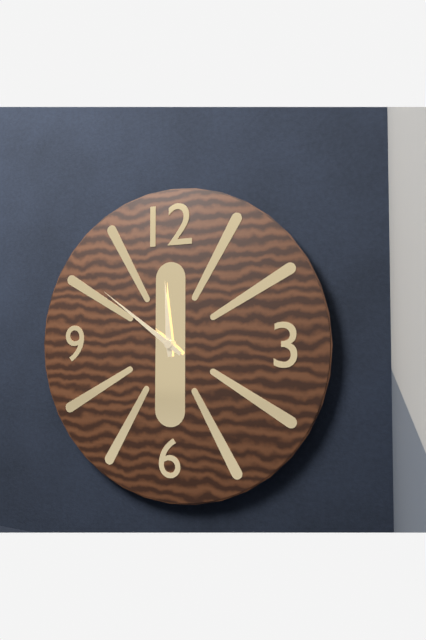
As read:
11,51
